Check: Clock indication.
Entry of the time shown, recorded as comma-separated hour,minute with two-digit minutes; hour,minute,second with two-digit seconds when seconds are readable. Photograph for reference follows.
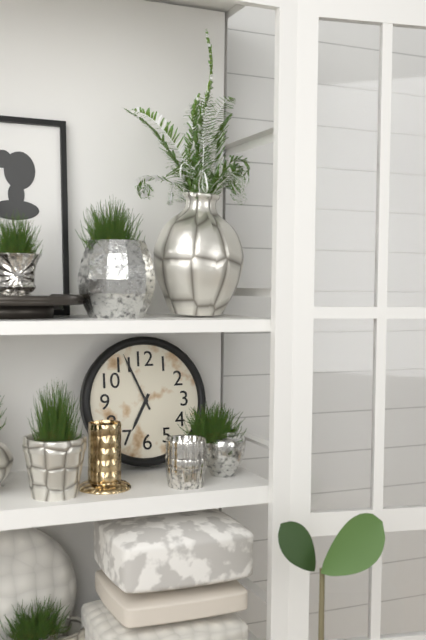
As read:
6,56
